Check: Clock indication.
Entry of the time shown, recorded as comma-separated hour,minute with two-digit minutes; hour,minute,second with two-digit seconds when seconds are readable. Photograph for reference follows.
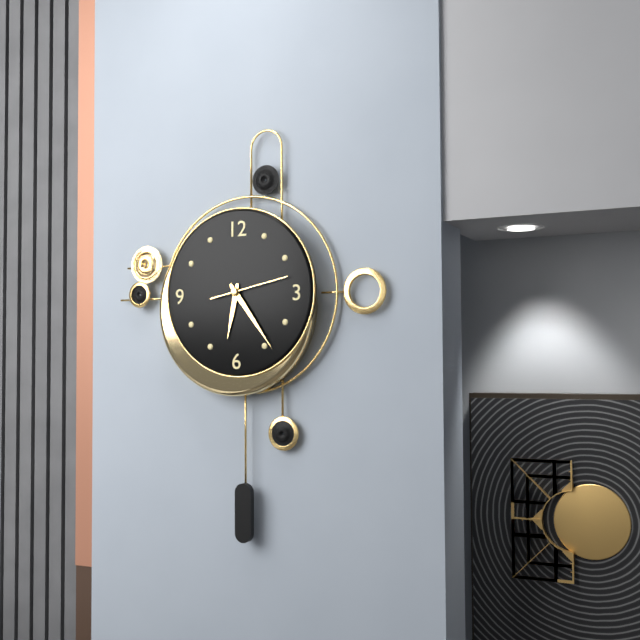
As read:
6,24,13
